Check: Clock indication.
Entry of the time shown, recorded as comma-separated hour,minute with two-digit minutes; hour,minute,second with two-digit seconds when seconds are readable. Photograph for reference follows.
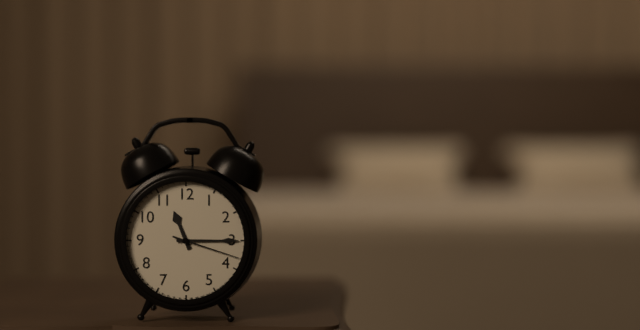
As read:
11,15,18
